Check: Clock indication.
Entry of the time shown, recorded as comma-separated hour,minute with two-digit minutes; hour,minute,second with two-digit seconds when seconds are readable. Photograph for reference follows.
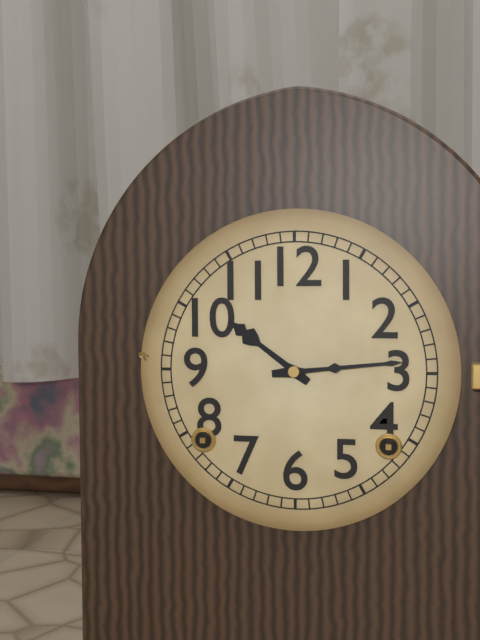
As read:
10,14
